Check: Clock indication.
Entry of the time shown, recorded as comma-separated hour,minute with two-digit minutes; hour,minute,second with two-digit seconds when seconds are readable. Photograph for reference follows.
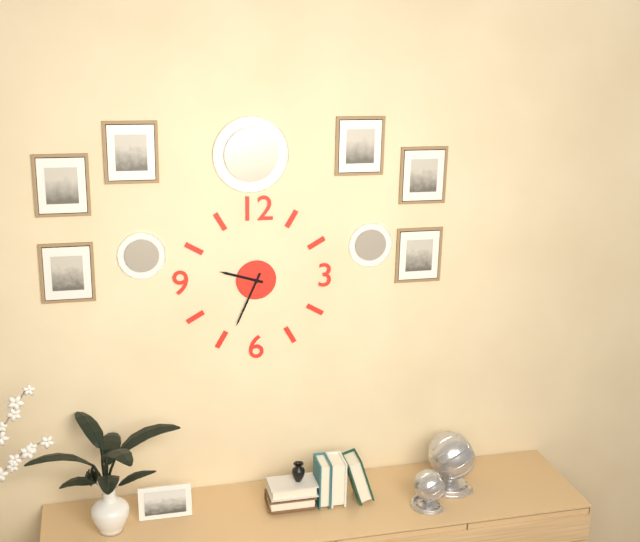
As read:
9,34
